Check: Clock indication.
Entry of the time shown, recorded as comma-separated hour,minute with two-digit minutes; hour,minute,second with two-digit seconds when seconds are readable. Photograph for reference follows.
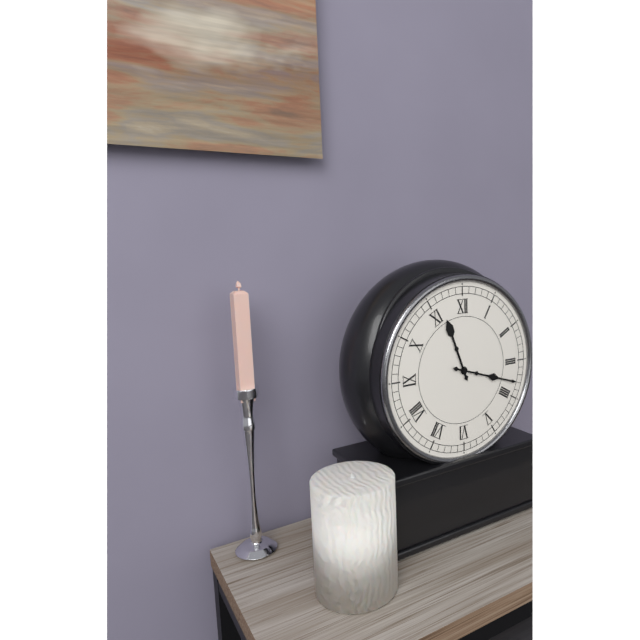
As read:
11,18
